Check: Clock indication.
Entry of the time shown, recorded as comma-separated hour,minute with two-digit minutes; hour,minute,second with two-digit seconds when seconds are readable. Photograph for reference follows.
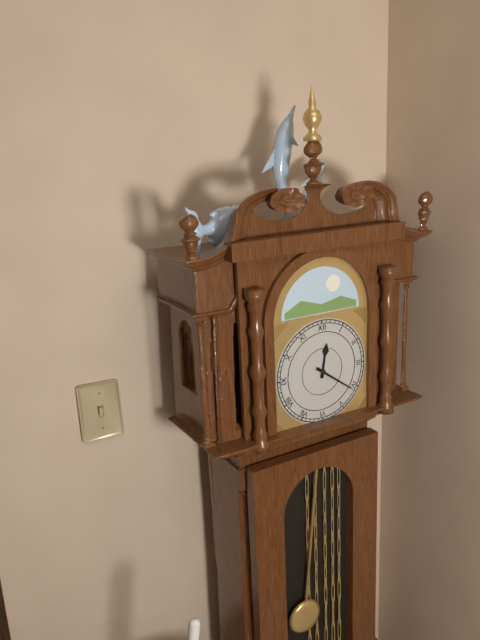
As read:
12,21
